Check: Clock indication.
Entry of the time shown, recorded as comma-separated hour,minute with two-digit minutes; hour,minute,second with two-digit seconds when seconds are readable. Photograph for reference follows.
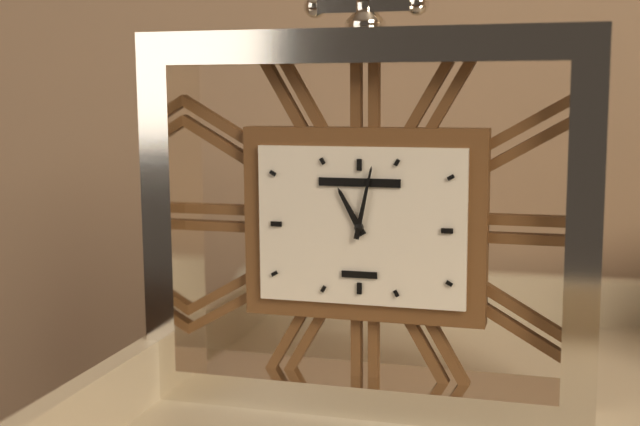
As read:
11,02
